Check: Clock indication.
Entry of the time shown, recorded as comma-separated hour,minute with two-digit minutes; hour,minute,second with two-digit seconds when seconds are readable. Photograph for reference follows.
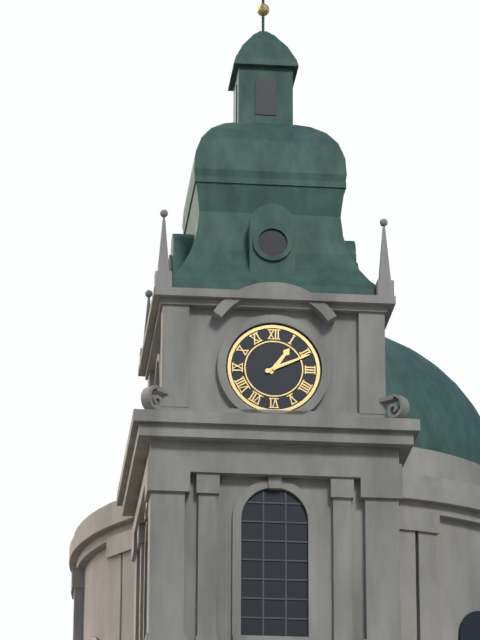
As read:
1,11
